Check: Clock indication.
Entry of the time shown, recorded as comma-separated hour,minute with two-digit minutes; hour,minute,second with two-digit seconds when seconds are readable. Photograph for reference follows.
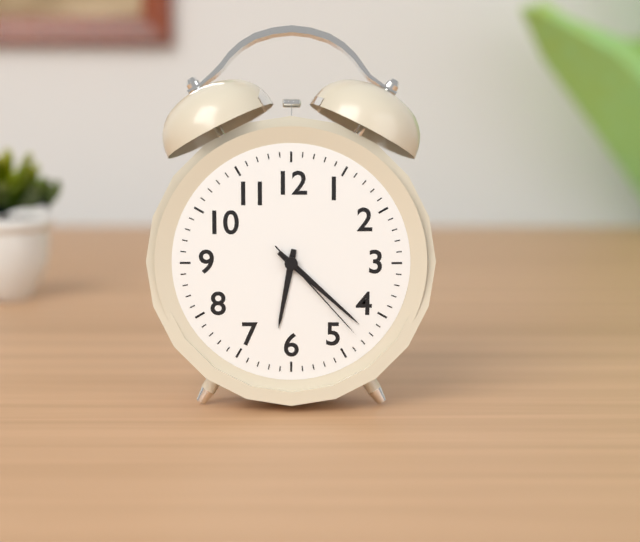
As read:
6,22,23
